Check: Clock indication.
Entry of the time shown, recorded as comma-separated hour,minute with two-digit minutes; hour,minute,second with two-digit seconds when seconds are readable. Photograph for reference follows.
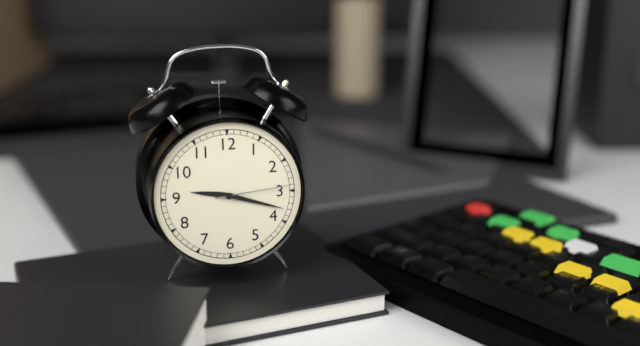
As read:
9,18,14
